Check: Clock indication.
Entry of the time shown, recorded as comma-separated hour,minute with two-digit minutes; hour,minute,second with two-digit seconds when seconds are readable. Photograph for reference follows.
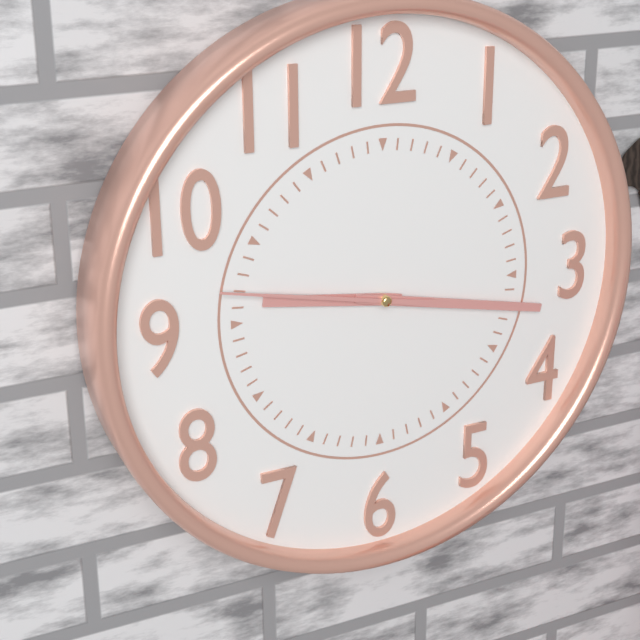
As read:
9,17,47
